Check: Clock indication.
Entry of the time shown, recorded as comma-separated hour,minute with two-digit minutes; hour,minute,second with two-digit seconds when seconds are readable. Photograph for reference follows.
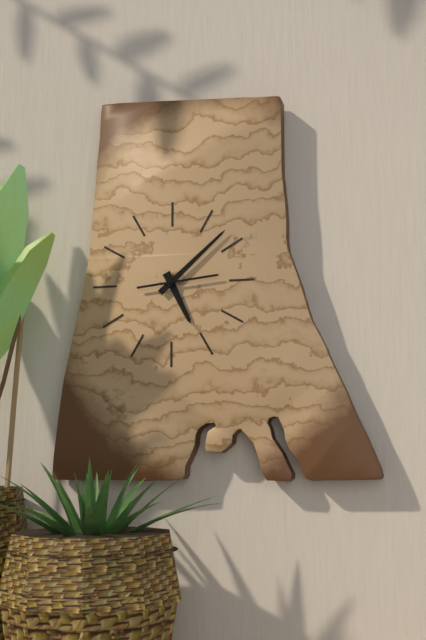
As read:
5,08,14
